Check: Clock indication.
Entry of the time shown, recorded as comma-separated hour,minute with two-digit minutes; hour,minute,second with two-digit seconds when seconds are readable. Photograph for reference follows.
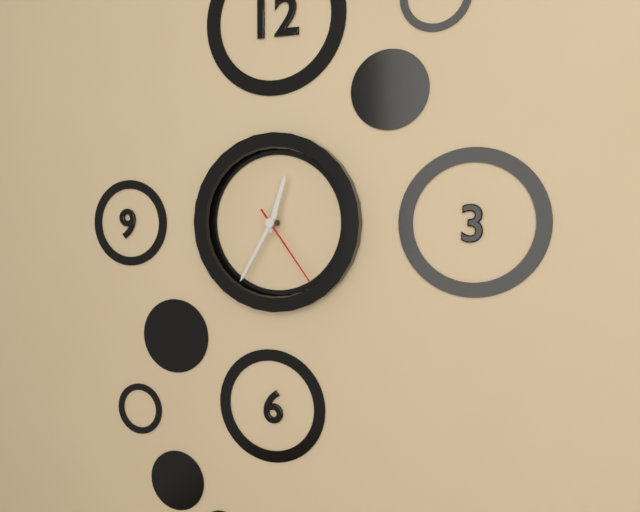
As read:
12,35,24
